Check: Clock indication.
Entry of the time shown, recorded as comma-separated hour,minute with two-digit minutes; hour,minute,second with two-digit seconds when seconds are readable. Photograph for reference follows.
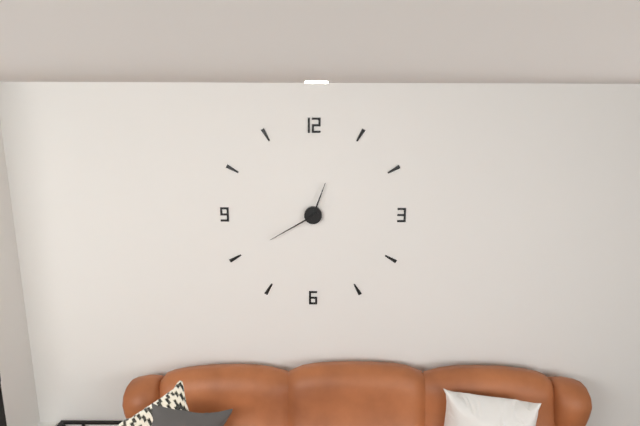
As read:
12,40
